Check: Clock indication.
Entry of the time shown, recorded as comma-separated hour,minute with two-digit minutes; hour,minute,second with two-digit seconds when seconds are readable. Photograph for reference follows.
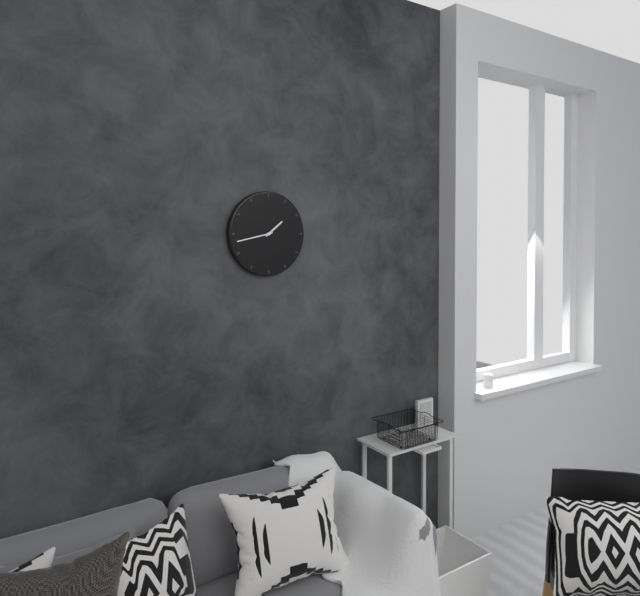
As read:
1,43
